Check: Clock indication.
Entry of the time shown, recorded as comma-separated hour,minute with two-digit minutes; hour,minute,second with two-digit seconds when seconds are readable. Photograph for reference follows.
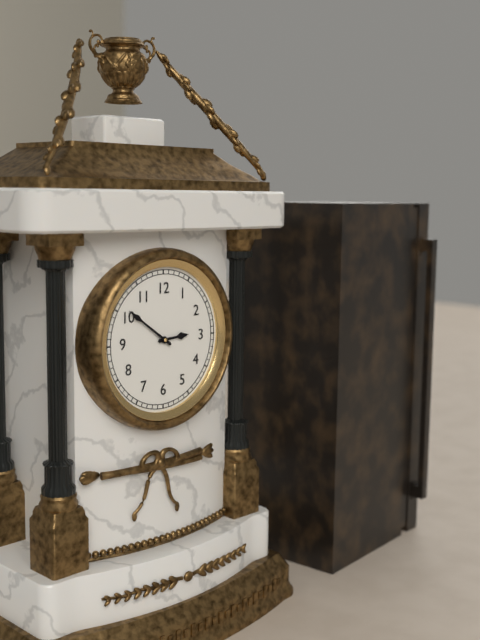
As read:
2,51
